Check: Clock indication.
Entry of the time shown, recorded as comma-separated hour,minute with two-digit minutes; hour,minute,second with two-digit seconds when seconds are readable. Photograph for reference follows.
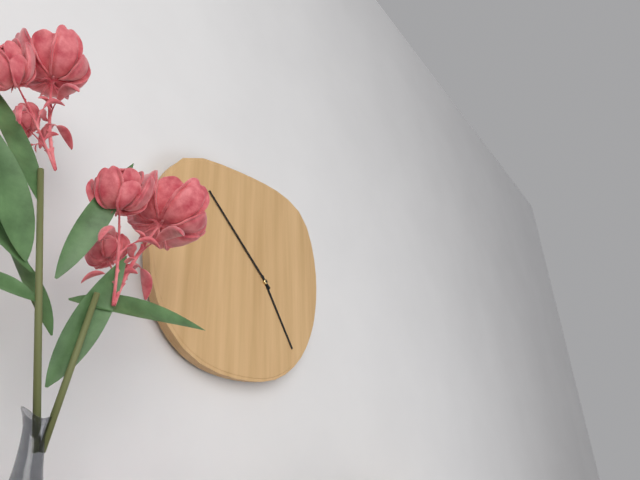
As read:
4,52
